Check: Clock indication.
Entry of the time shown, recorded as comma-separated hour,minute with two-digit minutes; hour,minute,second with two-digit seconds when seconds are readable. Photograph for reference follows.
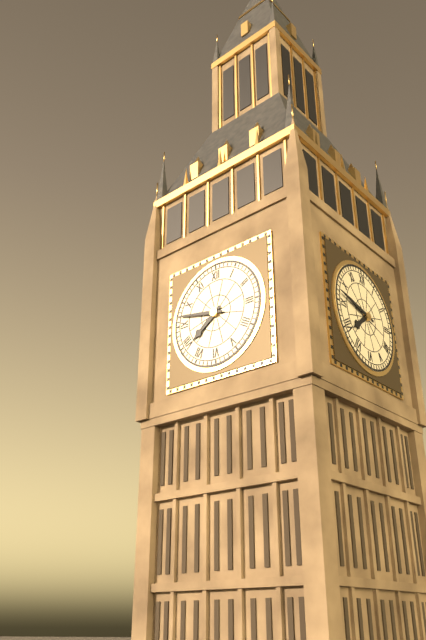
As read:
7,47
